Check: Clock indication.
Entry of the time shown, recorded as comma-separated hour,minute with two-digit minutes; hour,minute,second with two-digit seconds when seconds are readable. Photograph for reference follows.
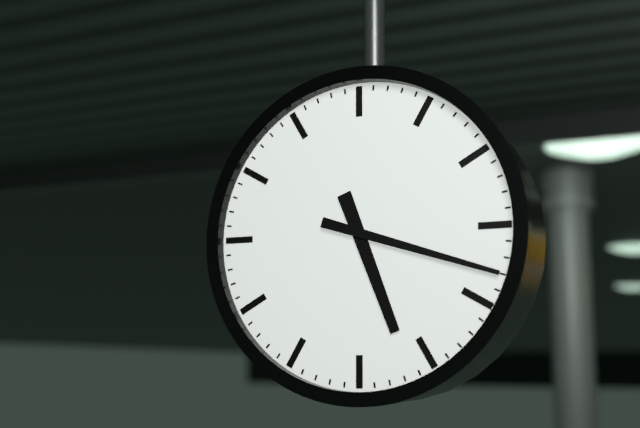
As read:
5,18
